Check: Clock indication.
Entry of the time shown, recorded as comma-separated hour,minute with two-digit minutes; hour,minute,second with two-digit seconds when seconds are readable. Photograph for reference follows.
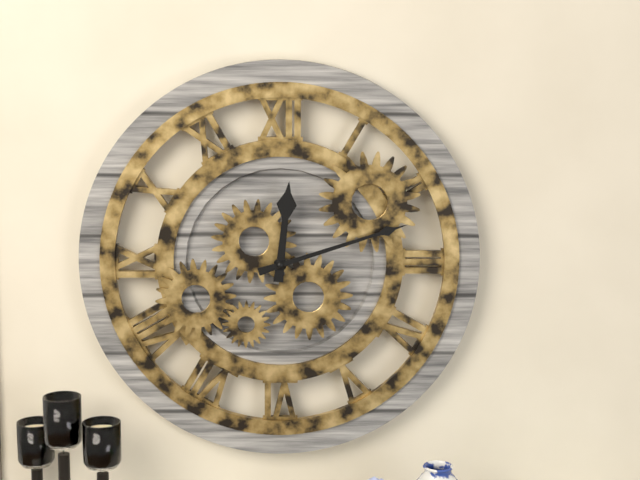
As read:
12,12
